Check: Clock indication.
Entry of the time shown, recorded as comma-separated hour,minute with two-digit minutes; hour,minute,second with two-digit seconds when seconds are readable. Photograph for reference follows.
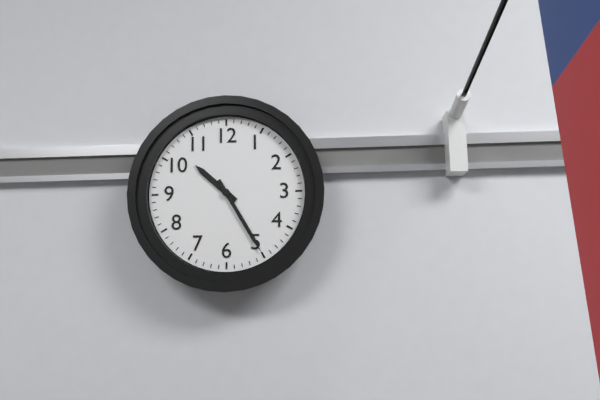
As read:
10,25
